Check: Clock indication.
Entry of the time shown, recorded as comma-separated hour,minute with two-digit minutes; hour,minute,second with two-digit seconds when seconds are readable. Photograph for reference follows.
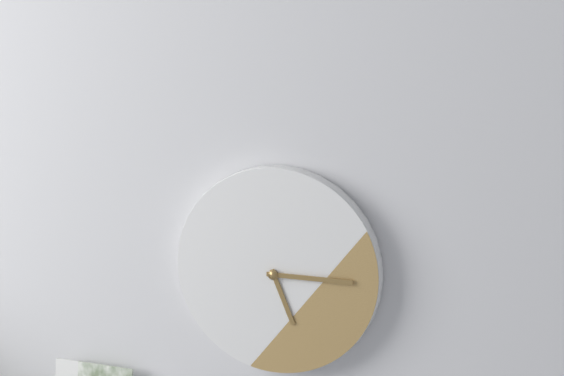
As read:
5,15
